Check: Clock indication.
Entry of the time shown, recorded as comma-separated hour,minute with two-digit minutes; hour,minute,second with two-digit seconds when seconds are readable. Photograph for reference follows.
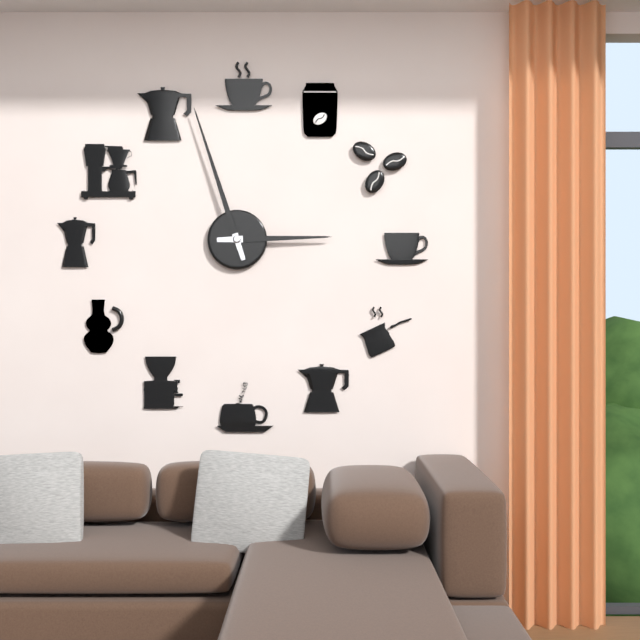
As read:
2,57
